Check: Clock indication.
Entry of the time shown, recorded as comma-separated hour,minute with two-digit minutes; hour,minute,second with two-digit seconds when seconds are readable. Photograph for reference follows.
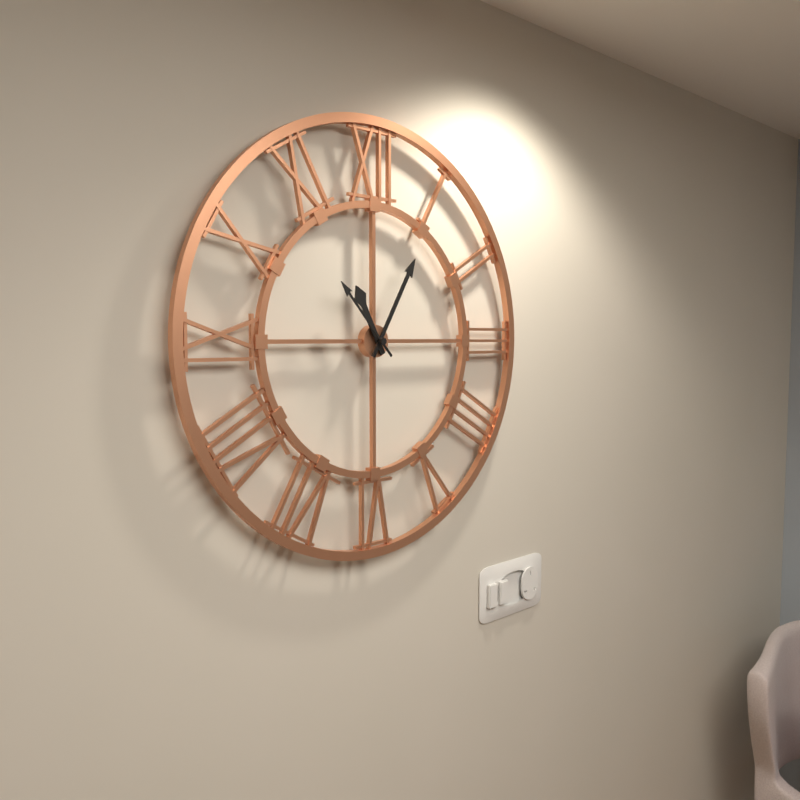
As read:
11,05,53
